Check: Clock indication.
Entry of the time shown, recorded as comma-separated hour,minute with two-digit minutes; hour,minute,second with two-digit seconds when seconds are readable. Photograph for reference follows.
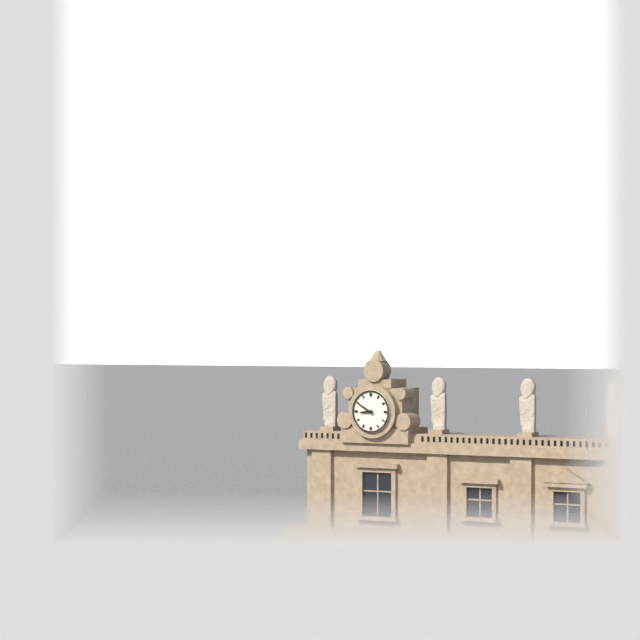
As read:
8,50
